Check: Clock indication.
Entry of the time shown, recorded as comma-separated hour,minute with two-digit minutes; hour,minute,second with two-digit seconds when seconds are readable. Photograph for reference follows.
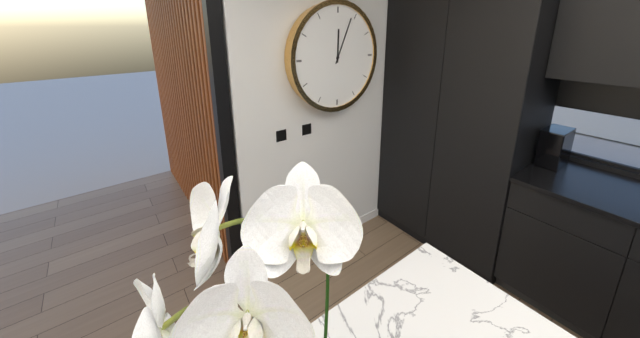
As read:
12,04
